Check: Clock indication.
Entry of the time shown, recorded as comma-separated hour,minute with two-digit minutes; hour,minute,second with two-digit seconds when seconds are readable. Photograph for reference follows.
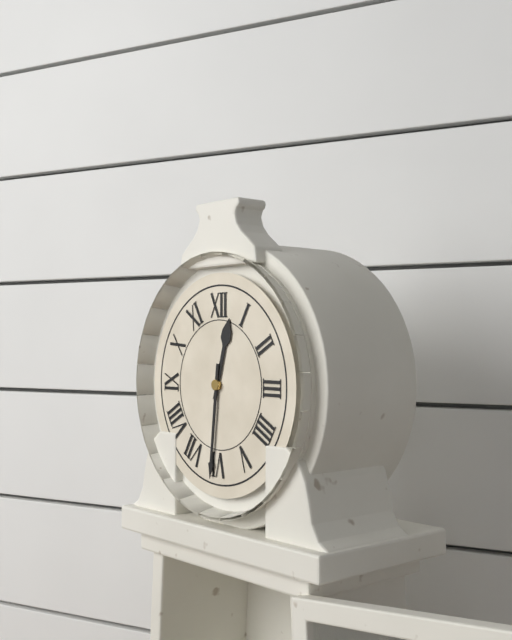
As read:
12,31
